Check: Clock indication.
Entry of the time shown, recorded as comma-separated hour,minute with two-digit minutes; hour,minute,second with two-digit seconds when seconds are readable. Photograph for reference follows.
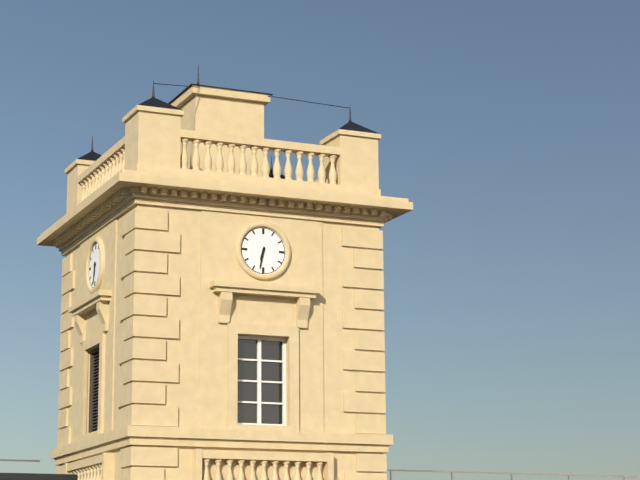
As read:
6,32
